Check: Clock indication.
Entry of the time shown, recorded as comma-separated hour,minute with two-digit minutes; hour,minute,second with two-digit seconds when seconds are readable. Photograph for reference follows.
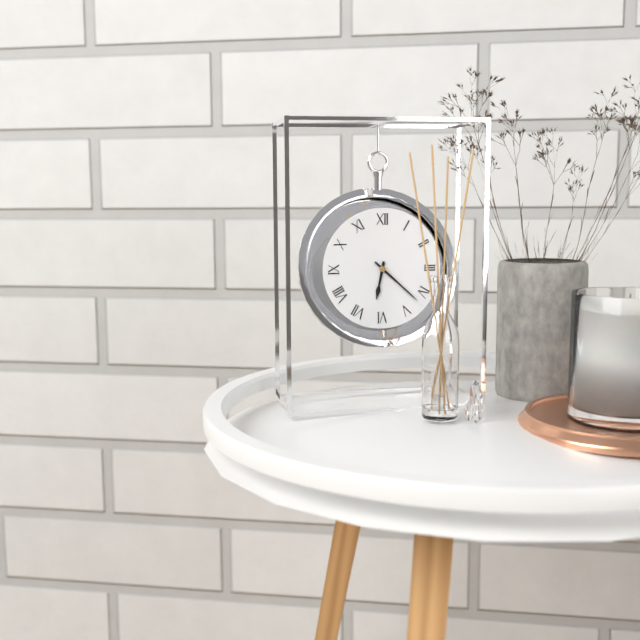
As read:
6,22
